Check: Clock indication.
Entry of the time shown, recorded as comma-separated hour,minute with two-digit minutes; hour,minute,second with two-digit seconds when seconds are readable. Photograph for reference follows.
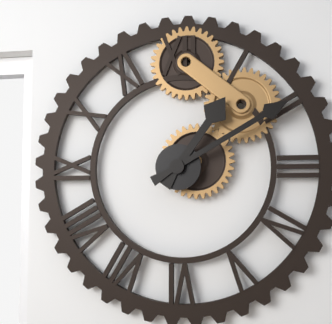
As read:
1,10
